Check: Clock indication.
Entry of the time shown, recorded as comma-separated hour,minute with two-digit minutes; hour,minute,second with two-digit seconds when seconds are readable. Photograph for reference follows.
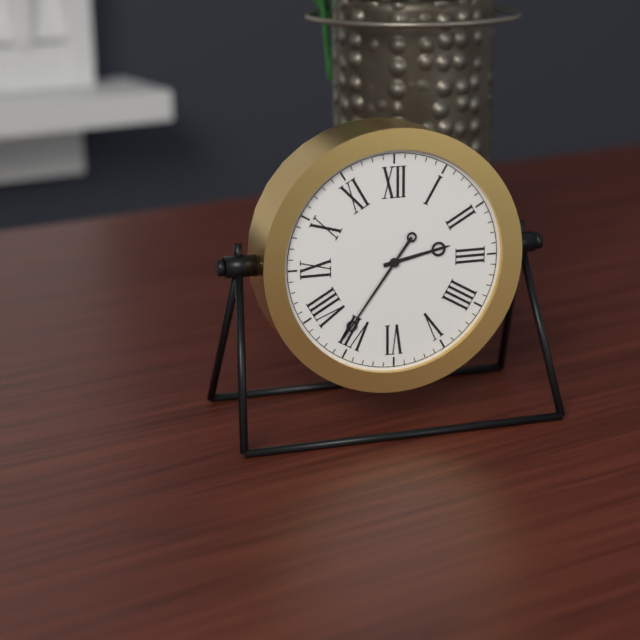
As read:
2,36
